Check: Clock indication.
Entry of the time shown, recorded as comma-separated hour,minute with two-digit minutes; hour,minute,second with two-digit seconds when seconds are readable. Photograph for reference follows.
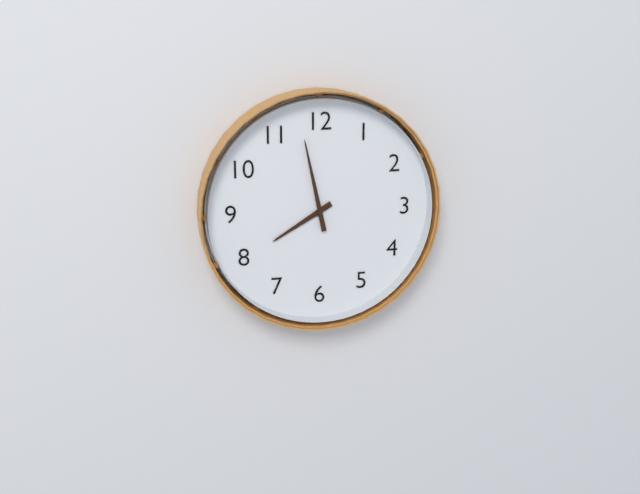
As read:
7,58
